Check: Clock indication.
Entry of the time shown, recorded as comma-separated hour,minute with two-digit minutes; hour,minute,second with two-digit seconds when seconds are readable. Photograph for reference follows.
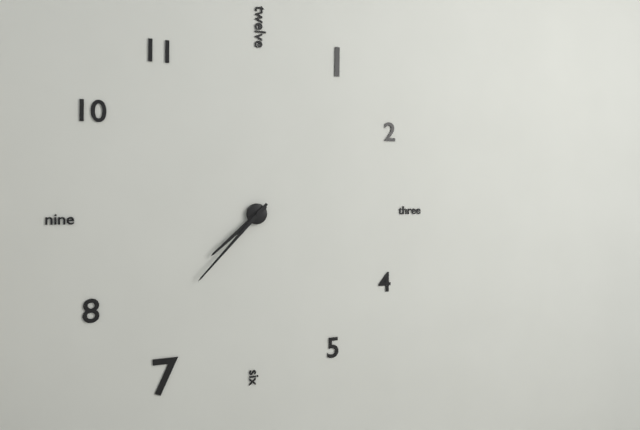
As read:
7,37
